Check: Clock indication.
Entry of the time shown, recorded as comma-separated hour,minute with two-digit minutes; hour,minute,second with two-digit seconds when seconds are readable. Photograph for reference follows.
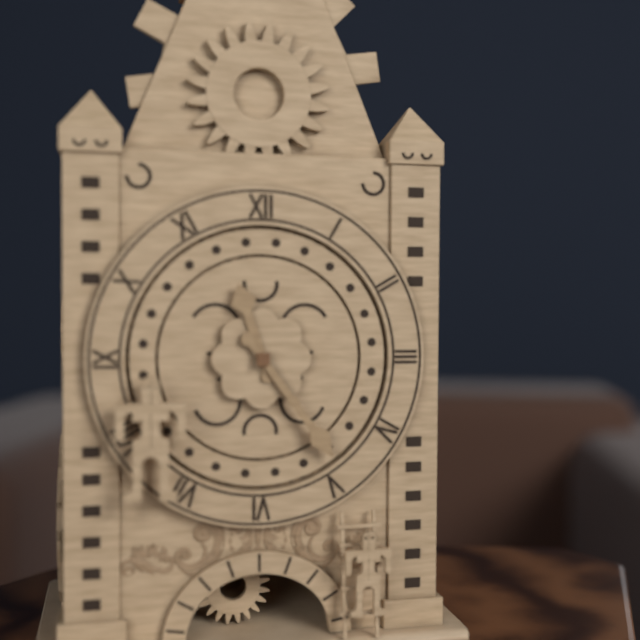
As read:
11,24
